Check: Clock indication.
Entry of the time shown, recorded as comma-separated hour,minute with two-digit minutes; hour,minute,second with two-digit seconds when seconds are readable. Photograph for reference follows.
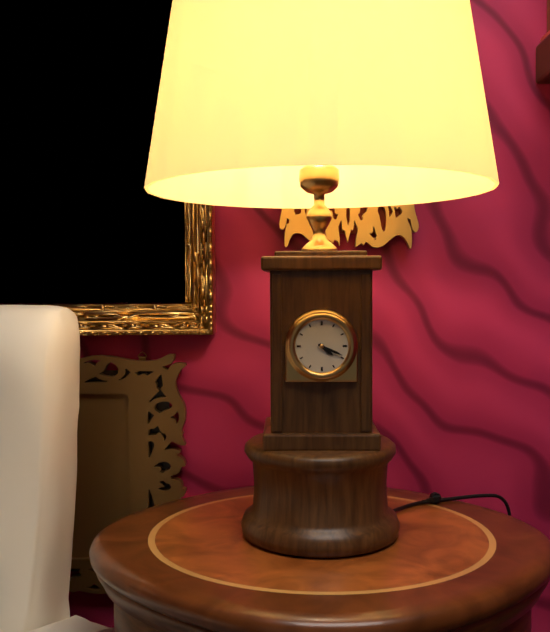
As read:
4,19
